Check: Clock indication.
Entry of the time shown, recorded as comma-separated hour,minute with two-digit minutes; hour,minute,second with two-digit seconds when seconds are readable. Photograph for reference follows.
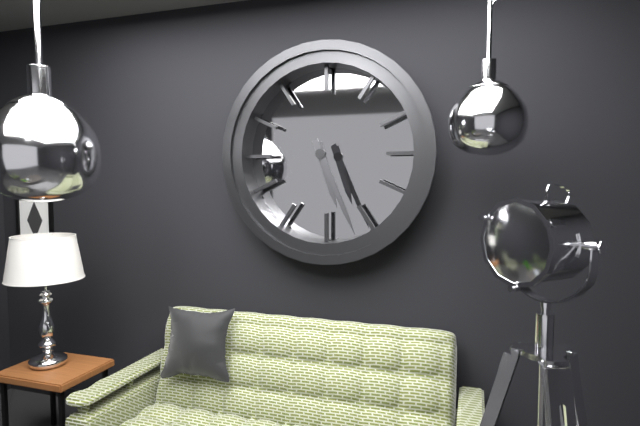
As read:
5,26
